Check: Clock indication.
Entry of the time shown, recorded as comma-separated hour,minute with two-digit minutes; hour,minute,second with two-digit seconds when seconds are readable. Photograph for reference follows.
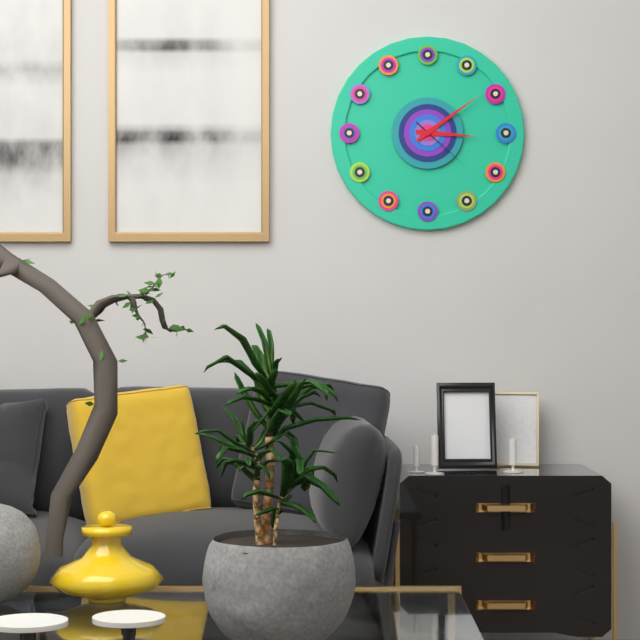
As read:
3,09,22
